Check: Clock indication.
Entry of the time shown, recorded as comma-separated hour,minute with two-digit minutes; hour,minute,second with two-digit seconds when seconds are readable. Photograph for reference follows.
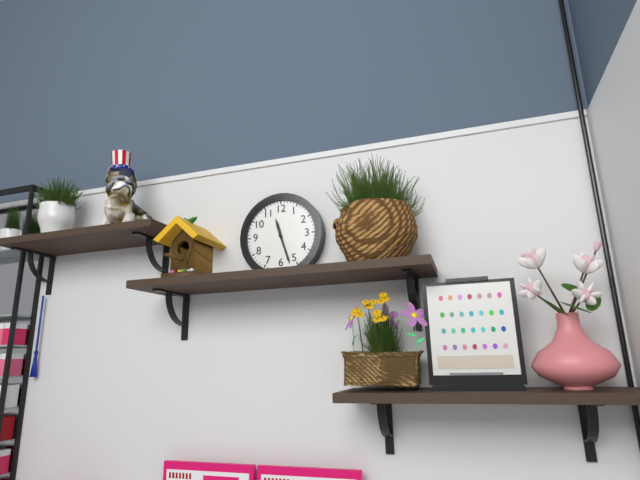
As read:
11,27
